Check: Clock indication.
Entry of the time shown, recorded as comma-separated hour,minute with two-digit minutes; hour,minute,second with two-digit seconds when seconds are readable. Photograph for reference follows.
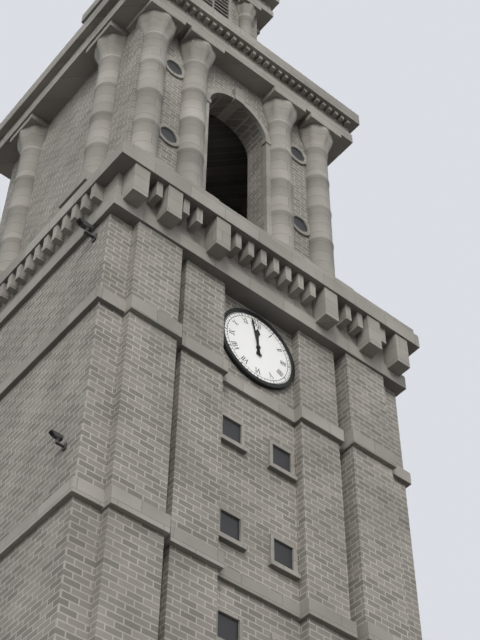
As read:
11,58
